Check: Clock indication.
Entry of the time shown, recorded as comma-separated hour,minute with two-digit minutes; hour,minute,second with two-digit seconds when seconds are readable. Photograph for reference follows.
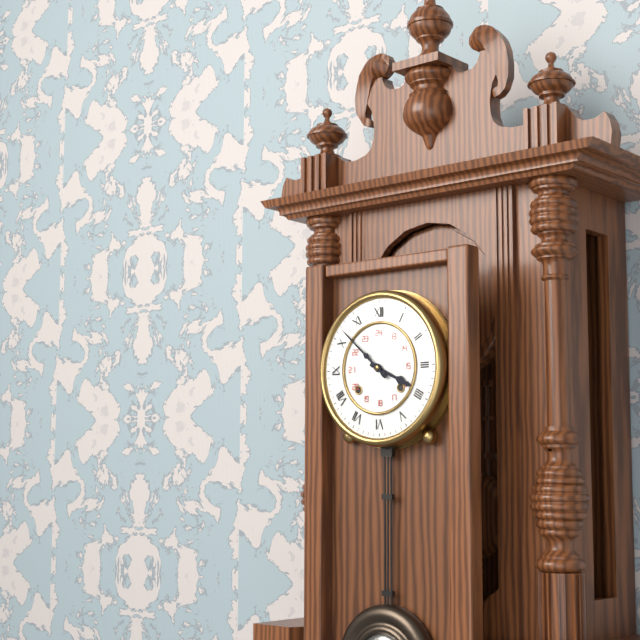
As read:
3,52
